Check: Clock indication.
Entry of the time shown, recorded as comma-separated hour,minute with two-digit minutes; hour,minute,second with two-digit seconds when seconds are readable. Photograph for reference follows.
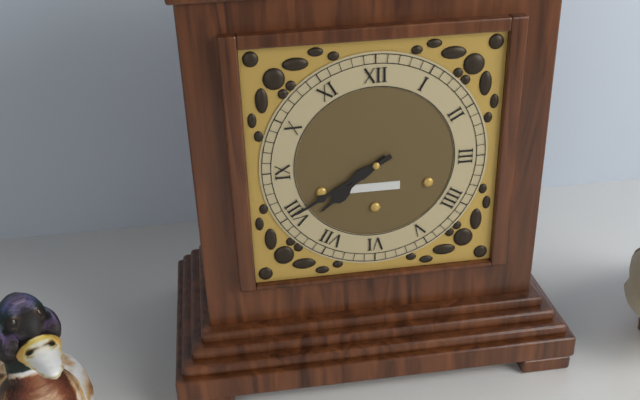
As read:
7,40
